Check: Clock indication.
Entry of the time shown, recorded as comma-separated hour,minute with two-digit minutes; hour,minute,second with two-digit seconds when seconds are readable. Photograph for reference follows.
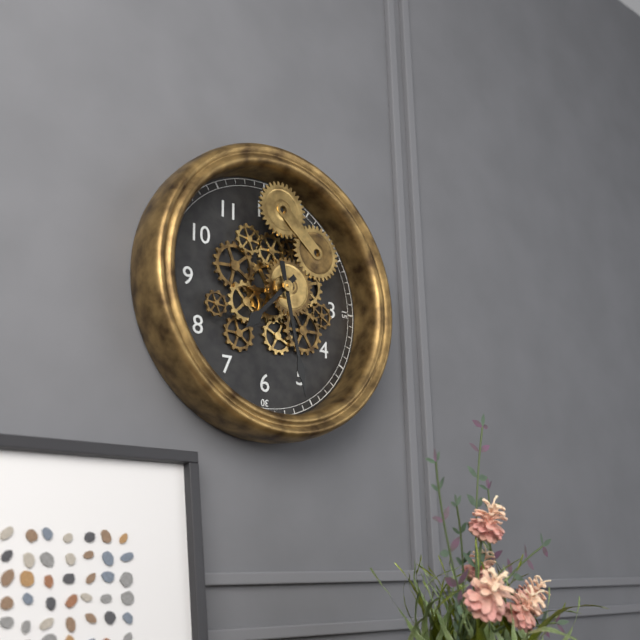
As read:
7,28
